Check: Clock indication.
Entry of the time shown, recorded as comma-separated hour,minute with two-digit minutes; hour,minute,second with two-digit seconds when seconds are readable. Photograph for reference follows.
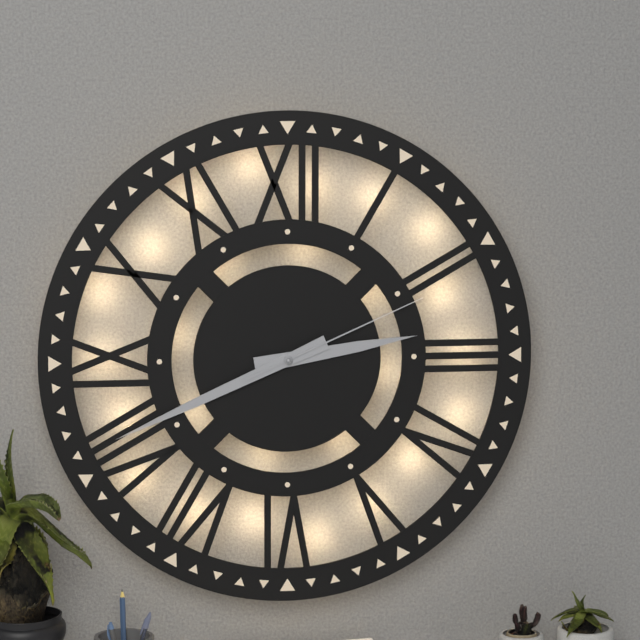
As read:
2,41,11
